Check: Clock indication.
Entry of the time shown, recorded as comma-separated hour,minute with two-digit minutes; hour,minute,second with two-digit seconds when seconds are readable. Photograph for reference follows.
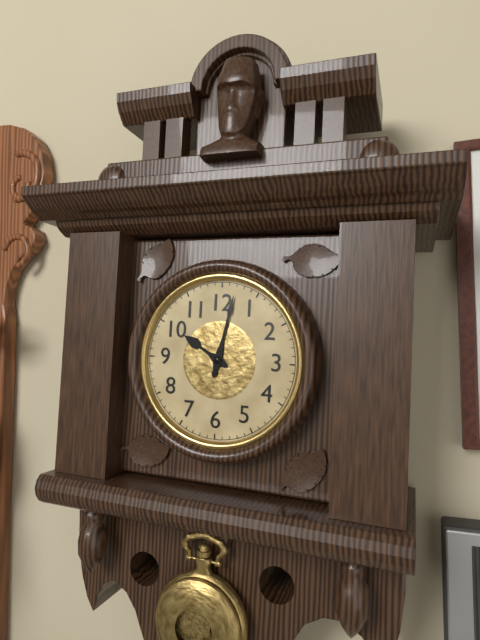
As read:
10,02
